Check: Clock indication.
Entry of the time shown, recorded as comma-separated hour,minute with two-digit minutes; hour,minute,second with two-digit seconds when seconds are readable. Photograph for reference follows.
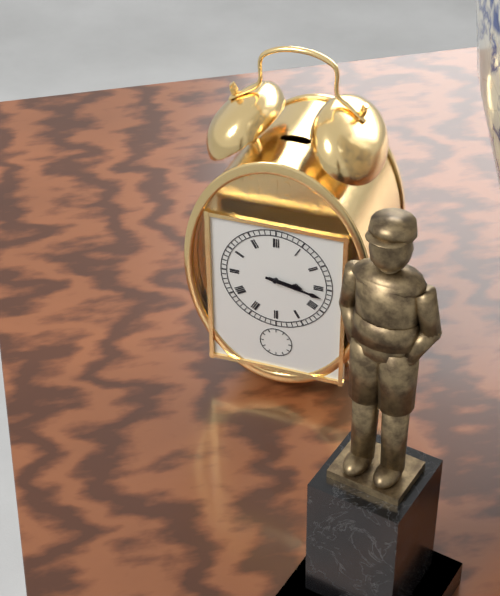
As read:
3,17
